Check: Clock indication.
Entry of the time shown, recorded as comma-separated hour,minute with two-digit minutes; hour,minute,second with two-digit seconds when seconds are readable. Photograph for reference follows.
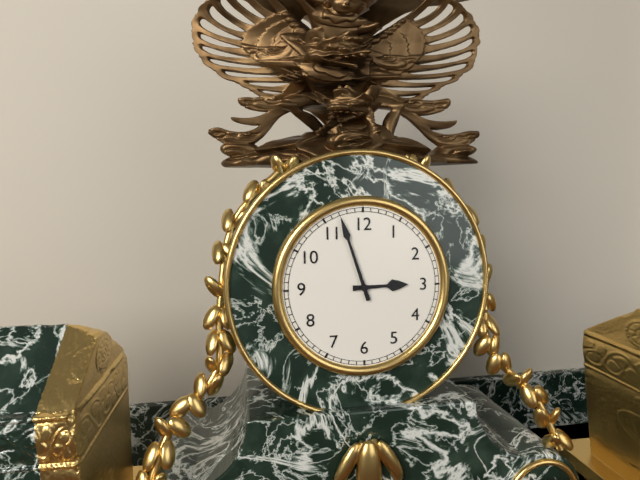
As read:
2,57
